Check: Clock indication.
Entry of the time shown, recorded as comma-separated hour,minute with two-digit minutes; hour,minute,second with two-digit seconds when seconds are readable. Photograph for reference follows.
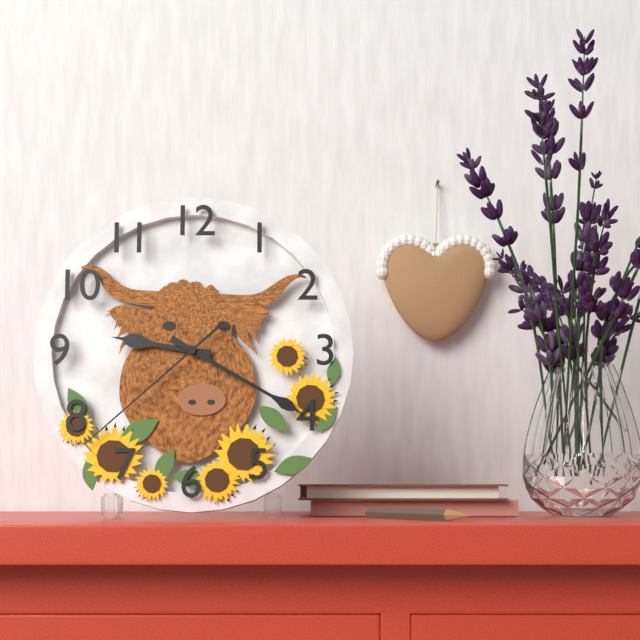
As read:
9,20,38
